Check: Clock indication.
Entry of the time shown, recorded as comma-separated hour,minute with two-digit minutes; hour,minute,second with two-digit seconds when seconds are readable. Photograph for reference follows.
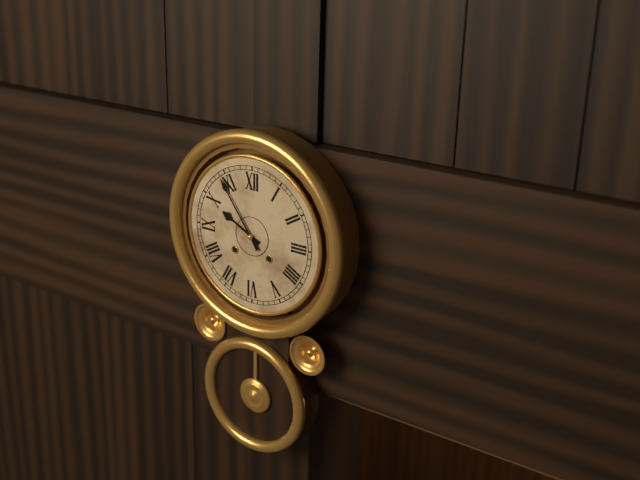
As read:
9,54
